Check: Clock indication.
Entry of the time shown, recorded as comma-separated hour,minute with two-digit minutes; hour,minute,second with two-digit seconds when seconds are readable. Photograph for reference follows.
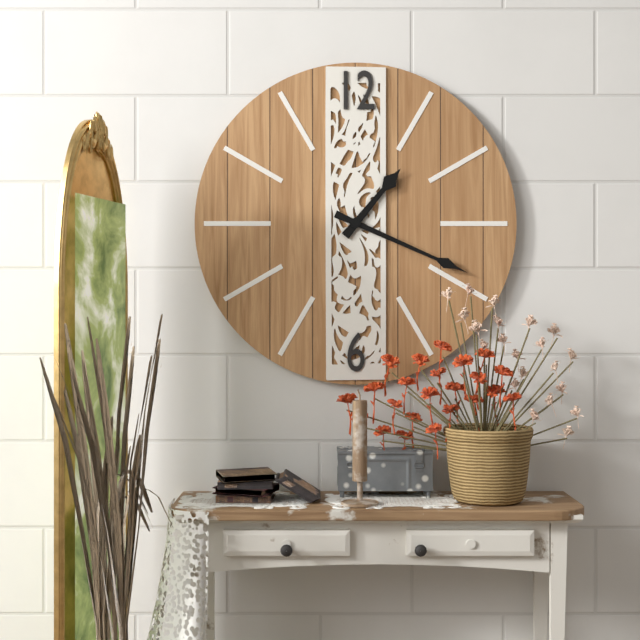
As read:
1,19
